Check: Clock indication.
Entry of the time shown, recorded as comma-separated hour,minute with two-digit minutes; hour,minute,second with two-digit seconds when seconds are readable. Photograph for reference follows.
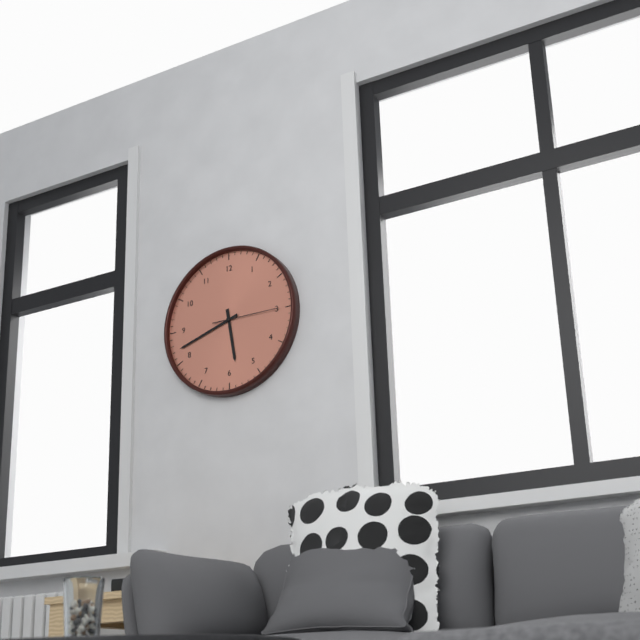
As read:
5,42,15
